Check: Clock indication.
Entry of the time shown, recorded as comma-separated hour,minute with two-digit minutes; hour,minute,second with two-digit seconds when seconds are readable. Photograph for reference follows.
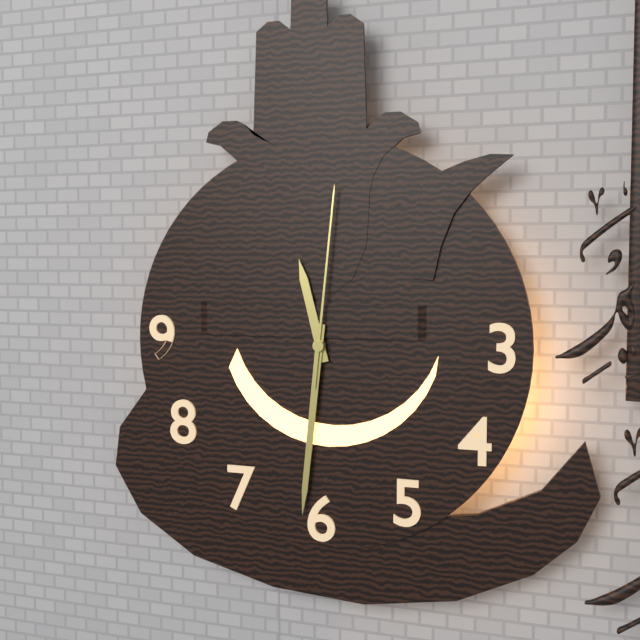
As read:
11,31,01
